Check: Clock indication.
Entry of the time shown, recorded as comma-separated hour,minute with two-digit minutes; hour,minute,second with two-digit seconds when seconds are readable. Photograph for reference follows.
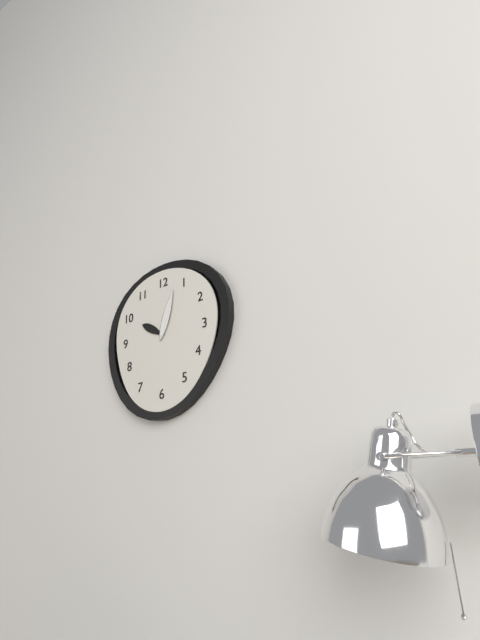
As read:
10,03
